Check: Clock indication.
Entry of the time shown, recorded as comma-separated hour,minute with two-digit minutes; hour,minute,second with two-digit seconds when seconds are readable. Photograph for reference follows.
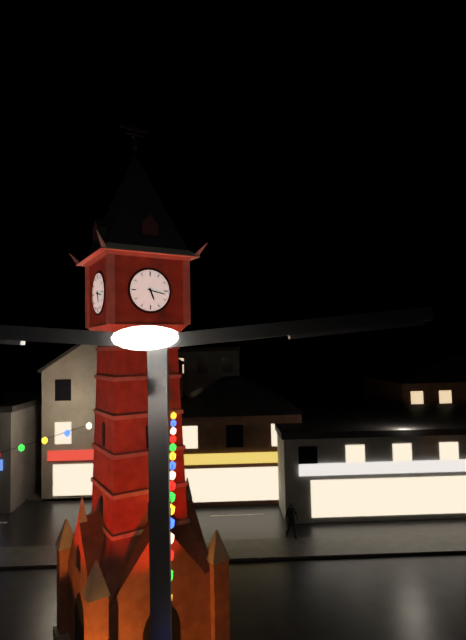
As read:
5,17
